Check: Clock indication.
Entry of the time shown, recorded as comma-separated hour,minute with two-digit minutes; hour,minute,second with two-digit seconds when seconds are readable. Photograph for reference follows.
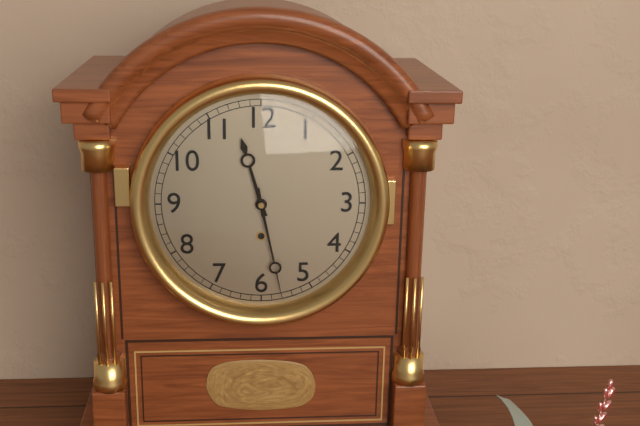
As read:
11,28
